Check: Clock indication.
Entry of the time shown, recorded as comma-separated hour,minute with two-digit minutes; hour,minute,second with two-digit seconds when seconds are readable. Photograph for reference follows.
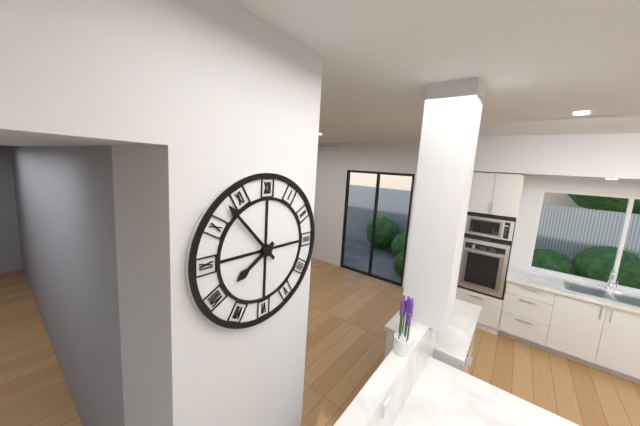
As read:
7,53
